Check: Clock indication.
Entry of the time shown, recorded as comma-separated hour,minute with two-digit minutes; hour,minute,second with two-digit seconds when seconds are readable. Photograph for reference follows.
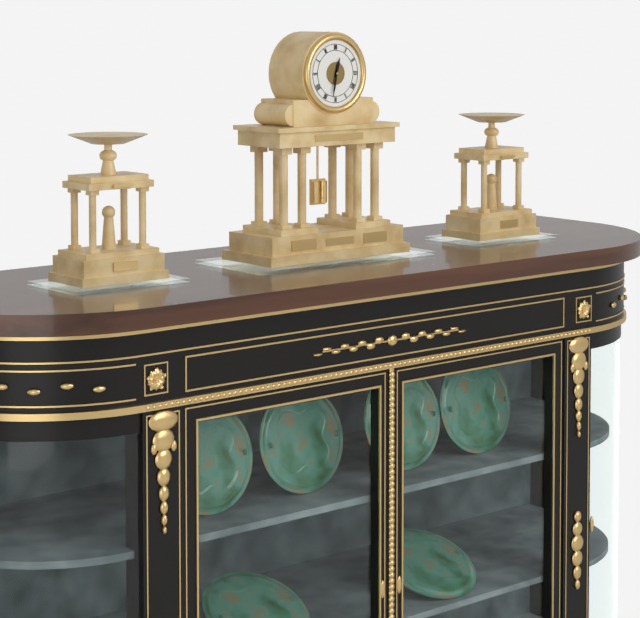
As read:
12,32
